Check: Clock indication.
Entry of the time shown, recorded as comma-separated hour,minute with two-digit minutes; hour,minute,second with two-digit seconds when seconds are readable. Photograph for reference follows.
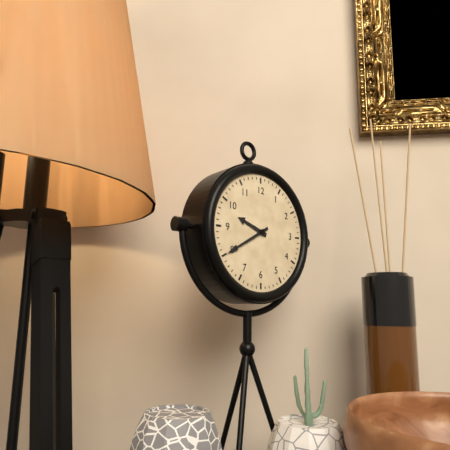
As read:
9,40
